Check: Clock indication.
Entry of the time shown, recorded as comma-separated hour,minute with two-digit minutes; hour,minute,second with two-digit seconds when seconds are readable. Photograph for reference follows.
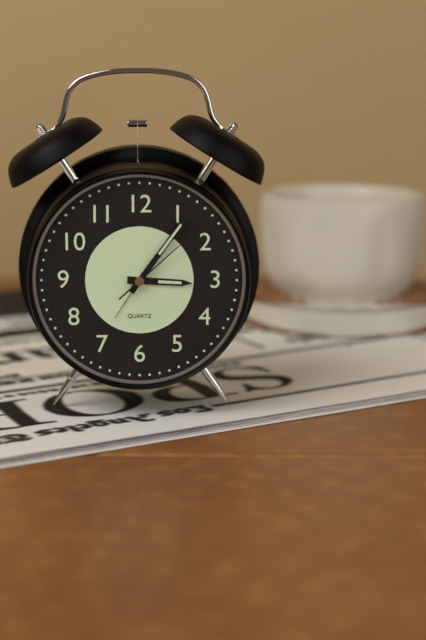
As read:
3,06,08
